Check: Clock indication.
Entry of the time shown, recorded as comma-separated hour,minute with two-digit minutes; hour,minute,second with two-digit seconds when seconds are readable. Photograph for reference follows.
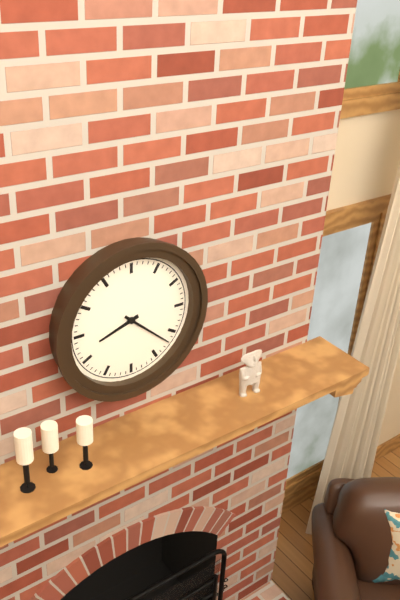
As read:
8,22
